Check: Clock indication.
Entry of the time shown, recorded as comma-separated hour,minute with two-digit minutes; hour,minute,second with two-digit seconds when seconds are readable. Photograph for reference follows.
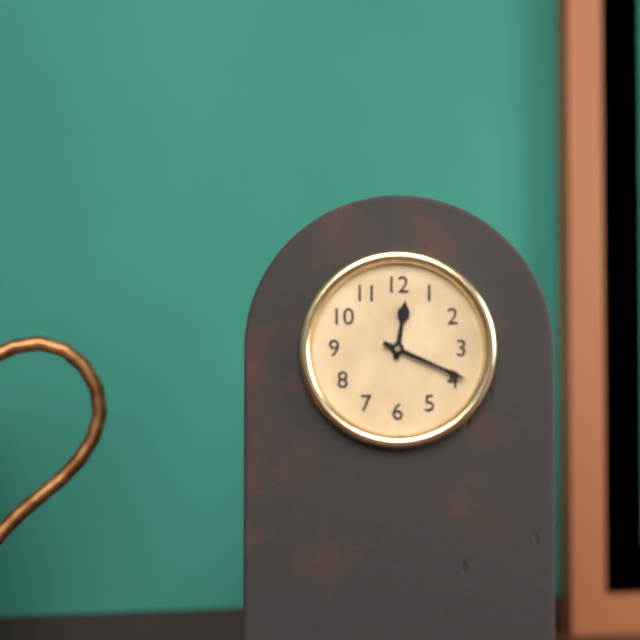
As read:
12,19
